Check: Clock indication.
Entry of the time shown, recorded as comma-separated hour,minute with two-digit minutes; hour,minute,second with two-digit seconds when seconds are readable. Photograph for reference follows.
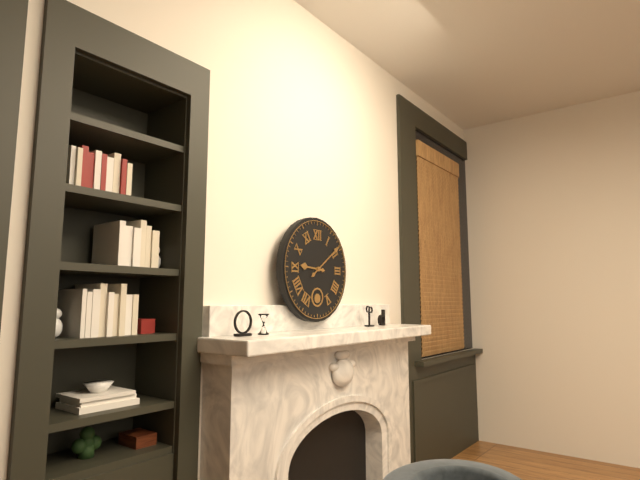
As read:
9,09
